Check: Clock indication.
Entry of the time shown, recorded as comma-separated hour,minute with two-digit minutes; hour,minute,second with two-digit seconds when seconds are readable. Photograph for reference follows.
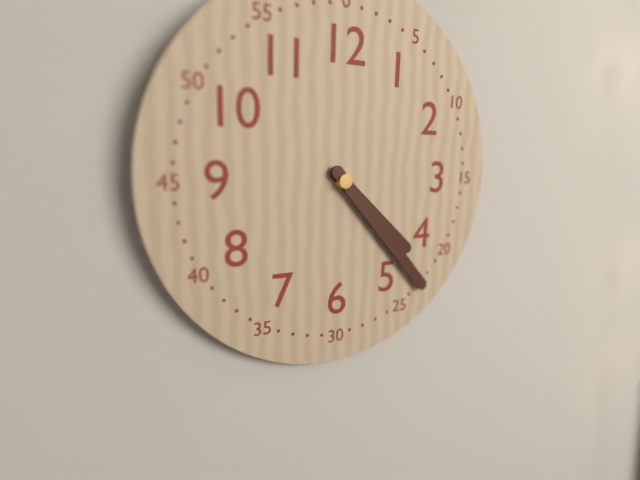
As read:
4,23
